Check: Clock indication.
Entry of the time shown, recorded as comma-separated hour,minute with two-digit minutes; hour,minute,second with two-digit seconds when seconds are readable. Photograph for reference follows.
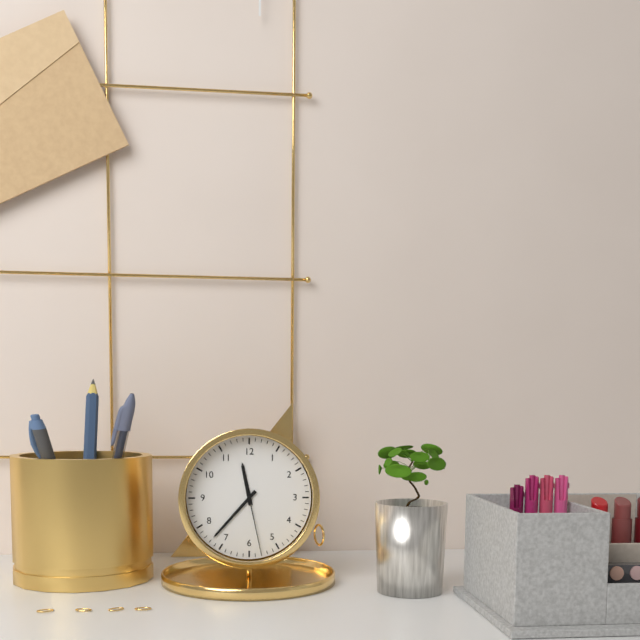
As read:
11,37,28
